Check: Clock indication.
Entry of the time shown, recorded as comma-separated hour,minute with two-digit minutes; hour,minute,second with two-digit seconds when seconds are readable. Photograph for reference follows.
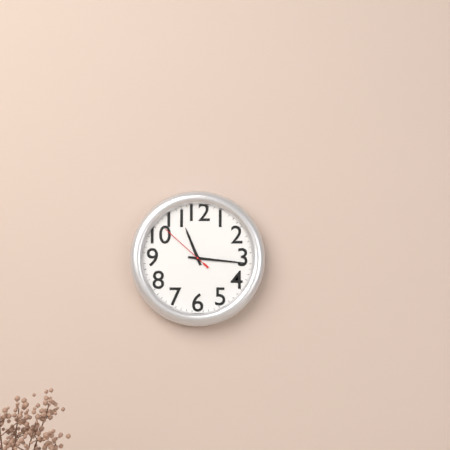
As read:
11,16,52
